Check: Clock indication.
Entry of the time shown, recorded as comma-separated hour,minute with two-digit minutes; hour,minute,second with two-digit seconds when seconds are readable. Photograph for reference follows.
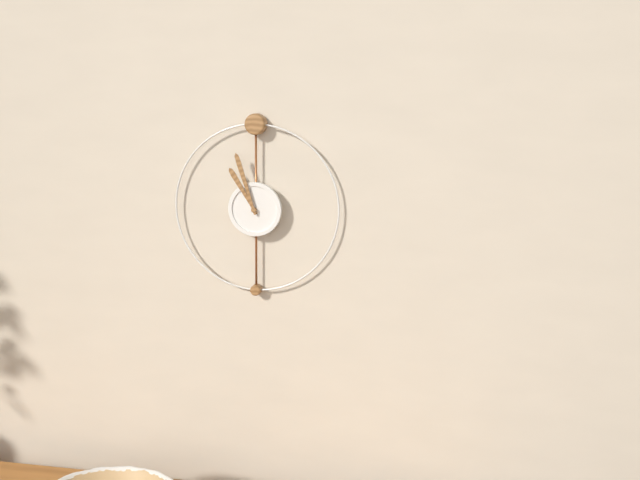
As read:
10,57
